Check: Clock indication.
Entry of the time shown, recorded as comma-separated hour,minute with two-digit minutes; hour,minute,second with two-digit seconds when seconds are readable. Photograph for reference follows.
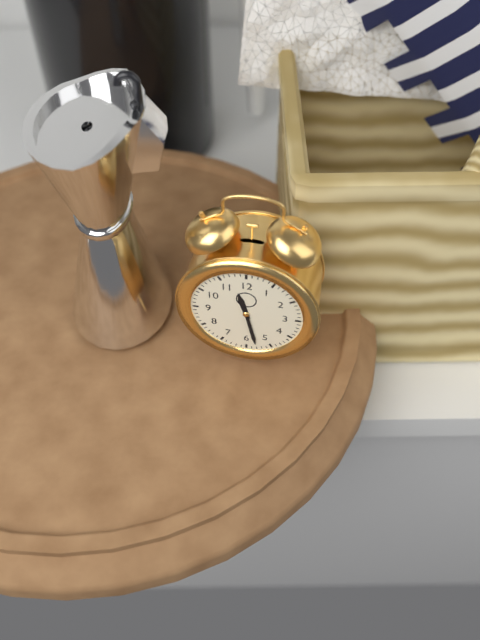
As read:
11,28
